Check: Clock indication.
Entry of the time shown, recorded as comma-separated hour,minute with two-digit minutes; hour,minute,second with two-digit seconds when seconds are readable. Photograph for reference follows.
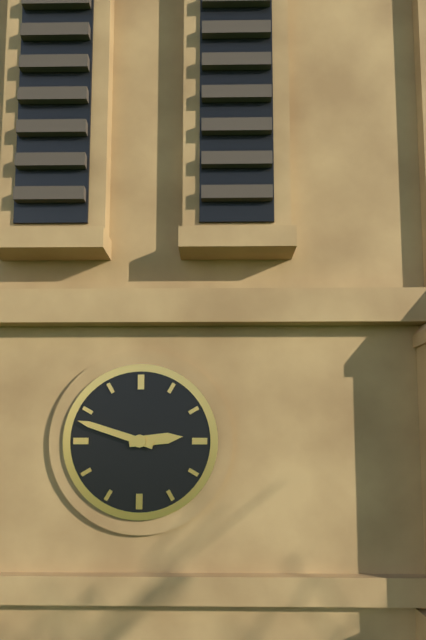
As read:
2,48
